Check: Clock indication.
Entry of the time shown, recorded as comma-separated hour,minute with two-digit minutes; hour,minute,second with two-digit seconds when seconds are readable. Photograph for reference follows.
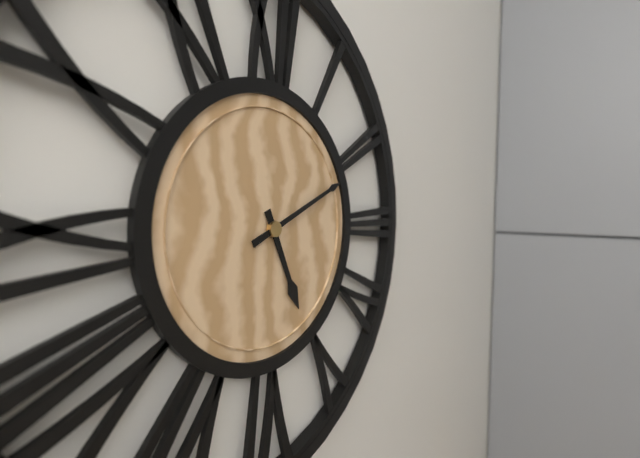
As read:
5,11
